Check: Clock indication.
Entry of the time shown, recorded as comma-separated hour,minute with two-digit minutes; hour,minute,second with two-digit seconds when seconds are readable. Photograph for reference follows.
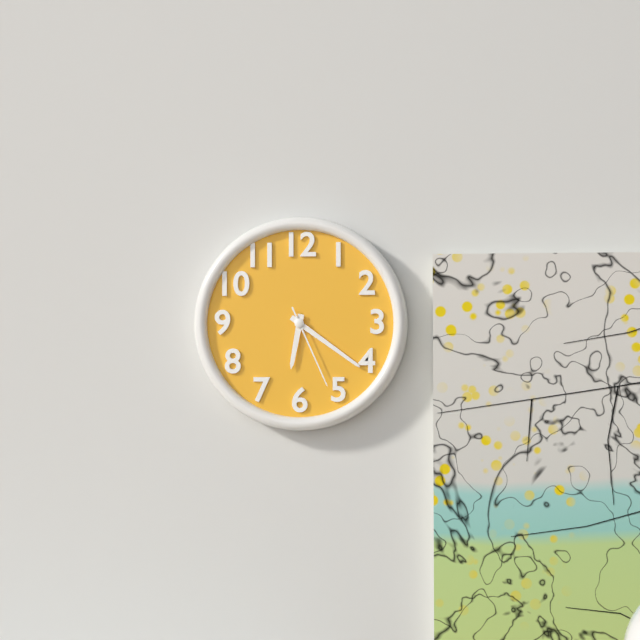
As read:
6,21,26
